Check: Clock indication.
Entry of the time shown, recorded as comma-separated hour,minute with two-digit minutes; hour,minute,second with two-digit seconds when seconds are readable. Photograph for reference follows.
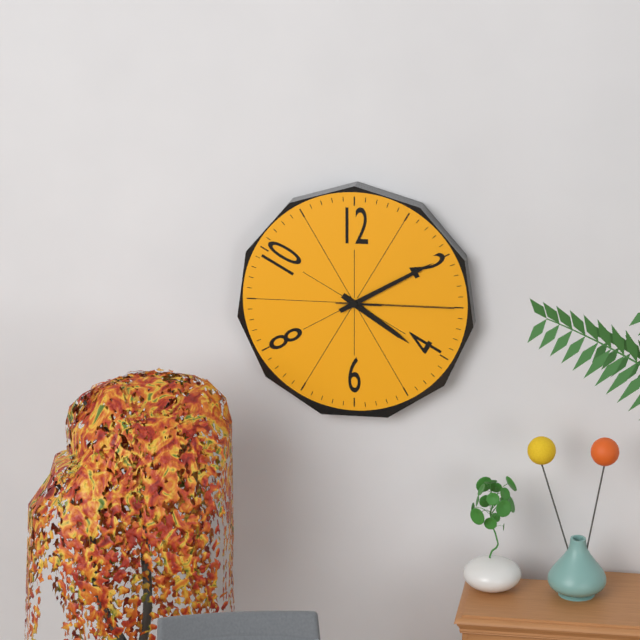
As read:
4,10,15
